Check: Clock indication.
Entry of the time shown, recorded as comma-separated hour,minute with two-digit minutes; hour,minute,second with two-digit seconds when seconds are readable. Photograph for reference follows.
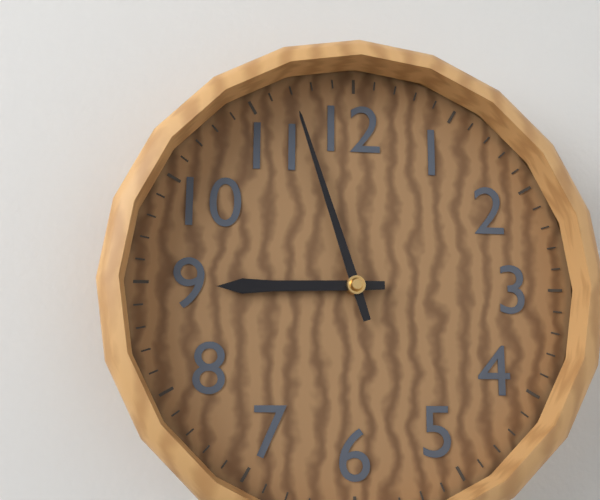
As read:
8,57
